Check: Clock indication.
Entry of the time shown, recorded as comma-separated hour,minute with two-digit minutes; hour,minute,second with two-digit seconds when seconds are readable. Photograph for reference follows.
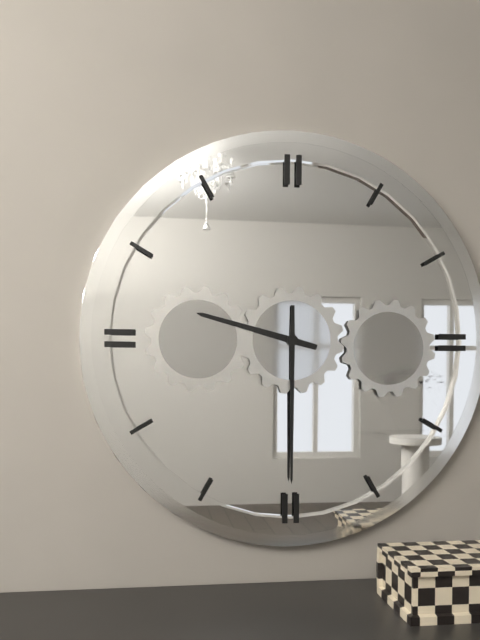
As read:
9,30
